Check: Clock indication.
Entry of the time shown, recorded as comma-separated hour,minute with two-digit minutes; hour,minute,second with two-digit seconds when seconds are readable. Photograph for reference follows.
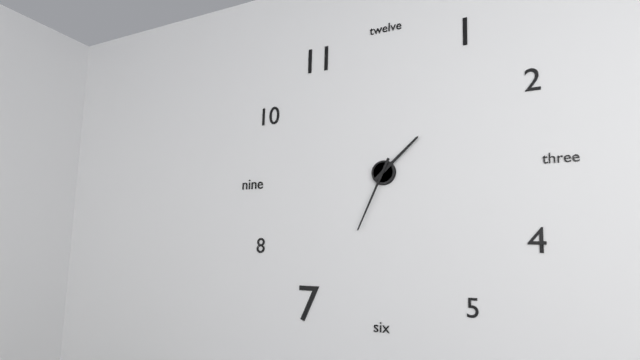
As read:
1,34
